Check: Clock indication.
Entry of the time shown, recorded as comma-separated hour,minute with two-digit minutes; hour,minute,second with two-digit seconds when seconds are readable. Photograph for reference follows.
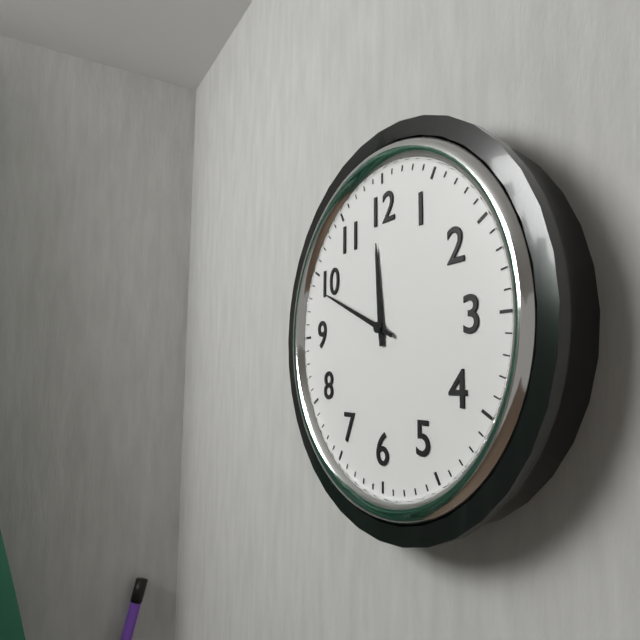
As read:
11,49
